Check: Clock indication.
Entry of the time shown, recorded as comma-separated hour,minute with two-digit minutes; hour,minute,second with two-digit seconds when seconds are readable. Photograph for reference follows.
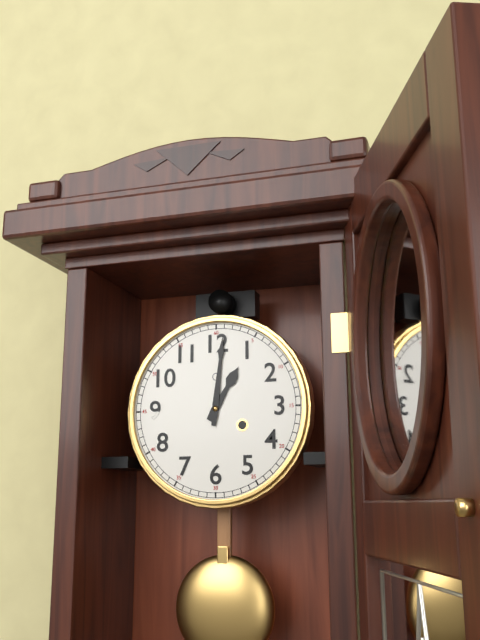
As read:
1,01
